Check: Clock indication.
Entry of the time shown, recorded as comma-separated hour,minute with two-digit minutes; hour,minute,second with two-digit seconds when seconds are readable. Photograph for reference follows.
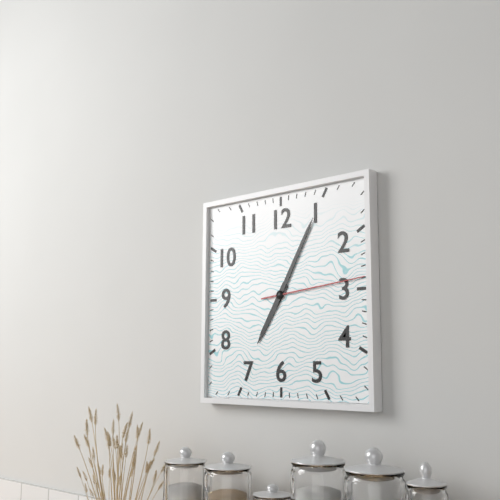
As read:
7,05,14
